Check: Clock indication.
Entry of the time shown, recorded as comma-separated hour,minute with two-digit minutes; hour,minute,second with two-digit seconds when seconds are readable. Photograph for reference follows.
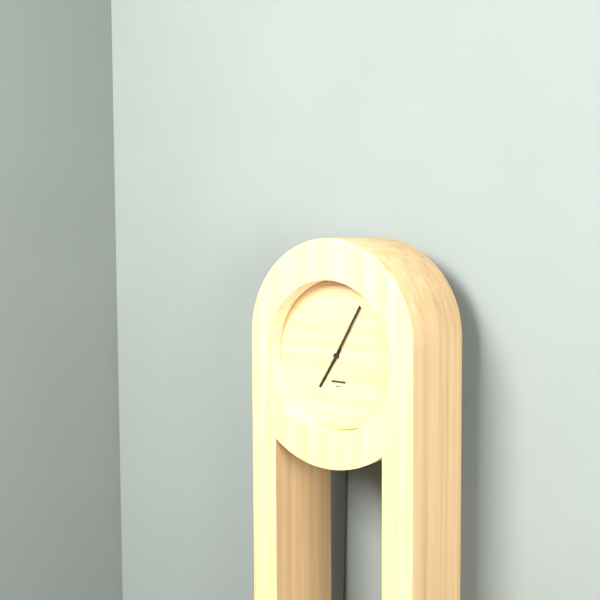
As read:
7,05
